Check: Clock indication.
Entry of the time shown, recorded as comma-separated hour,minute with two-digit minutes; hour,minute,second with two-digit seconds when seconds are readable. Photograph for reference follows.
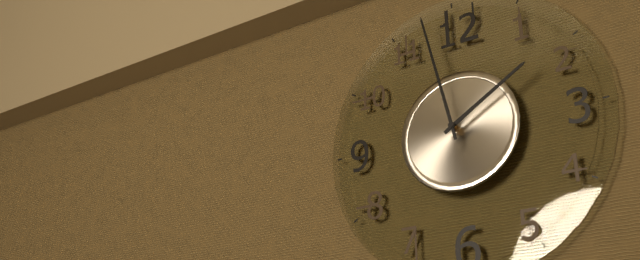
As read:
1,58
